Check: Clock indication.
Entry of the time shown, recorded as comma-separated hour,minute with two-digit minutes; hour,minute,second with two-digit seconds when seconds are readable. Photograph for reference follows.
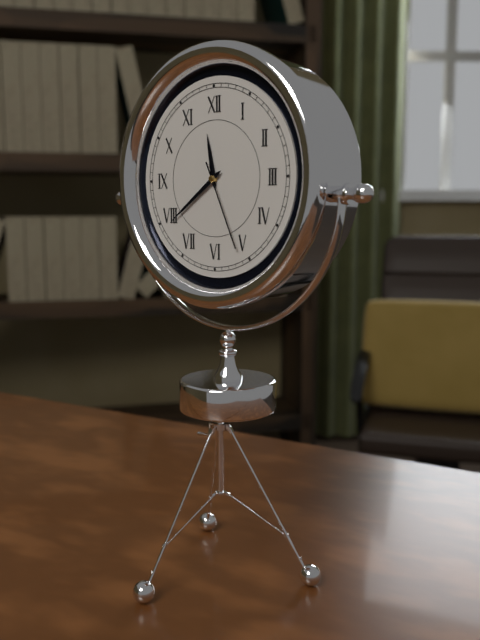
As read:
11,39,26
